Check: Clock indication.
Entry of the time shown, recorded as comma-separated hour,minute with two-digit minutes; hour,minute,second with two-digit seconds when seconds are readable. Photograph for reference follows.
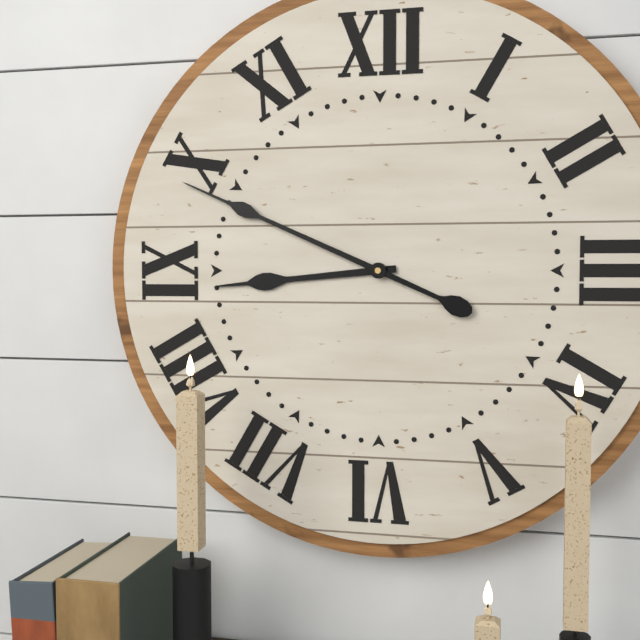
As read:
8,49
